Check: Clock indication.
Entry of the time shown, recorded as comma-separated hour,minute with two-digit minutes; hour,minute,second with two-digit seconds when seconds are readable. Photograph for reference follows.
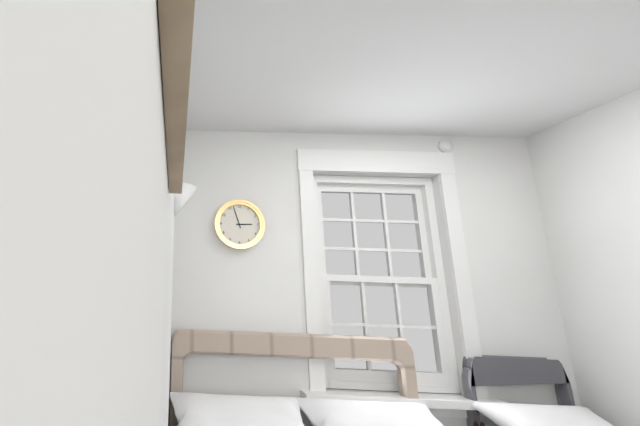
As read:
2,57
